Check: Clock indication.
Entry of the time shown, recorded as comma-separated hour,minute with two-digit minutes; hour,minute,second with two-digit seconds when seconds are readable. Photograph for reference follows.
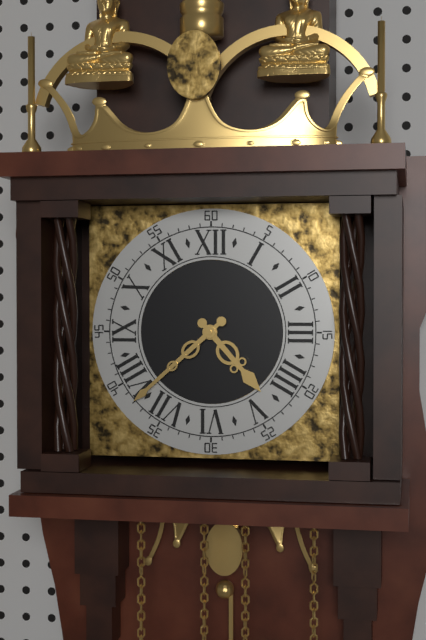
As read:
4,38
